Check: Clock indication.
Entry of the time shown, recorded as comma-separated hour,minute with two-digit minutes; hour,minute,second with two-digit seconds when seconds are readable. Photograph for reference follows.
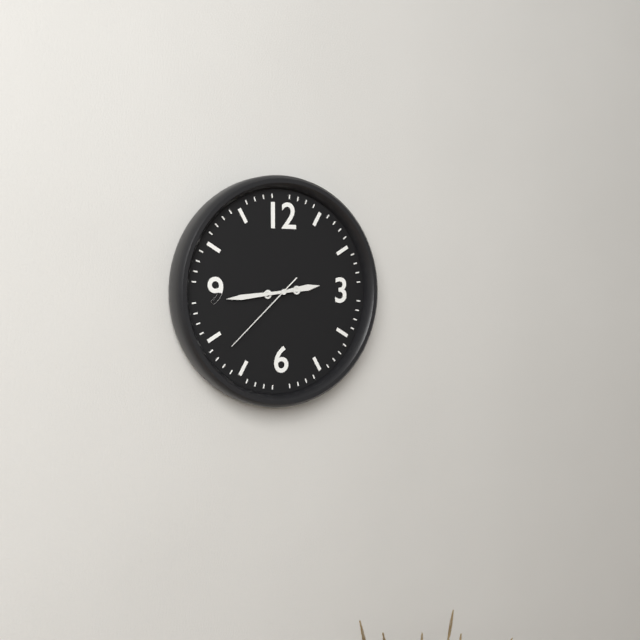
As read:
2,44,38
